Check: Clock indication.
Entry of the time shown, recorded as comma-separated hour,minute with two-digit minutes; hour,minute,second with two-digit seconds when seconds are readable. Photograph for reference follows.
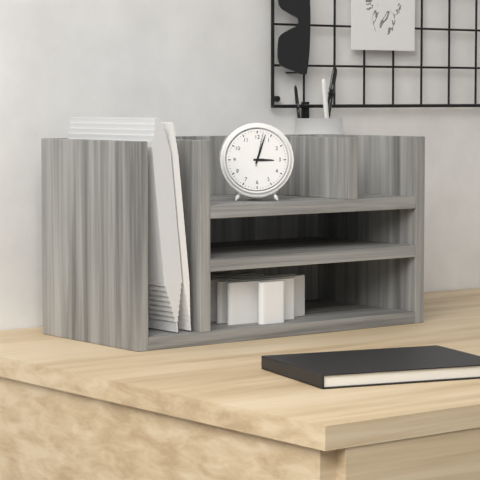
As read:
3,03
